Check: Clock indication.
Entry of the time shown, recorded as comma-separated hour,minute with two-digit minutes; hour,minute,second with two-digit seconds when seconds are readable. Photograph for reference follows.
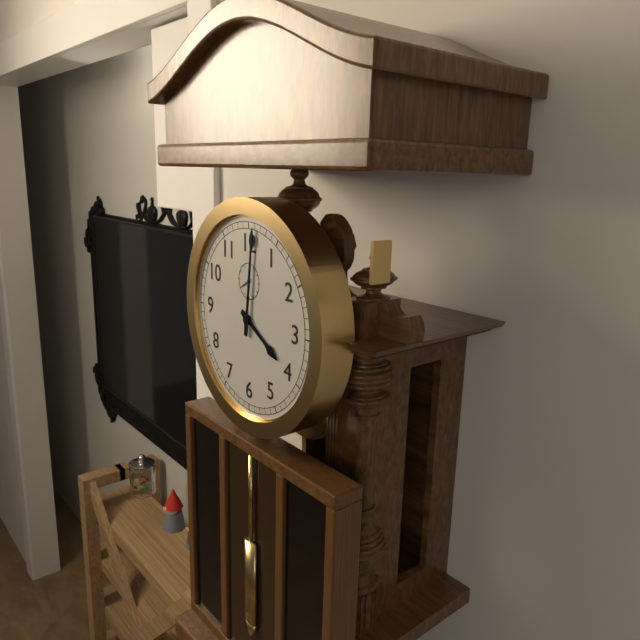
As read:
4,01
